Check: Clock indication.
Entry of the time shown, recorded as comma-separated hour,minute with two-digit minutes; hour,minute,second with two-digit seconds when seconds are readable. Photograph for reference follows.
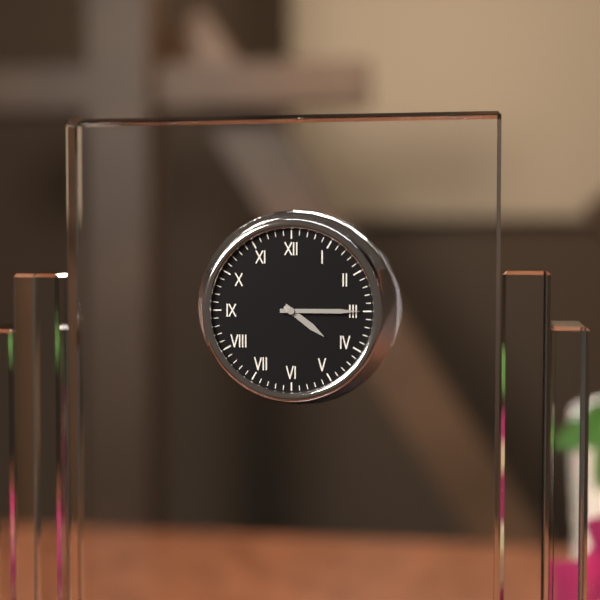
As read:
4,15
